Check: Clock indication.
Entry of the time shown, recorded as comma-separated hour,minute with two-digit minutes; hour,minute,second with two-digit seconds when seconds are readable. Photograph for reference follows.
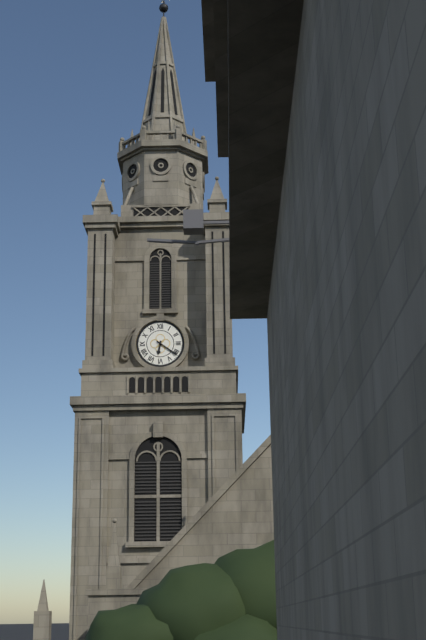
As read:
6,21
